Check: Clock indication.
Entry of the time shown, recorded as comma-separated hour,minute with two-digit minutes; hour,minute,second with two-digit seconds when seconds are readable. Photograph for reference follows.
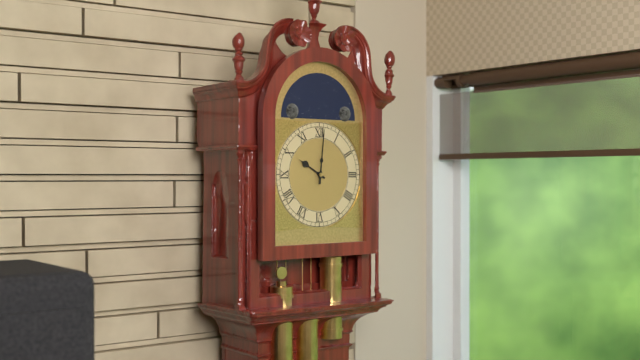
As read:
10,01
